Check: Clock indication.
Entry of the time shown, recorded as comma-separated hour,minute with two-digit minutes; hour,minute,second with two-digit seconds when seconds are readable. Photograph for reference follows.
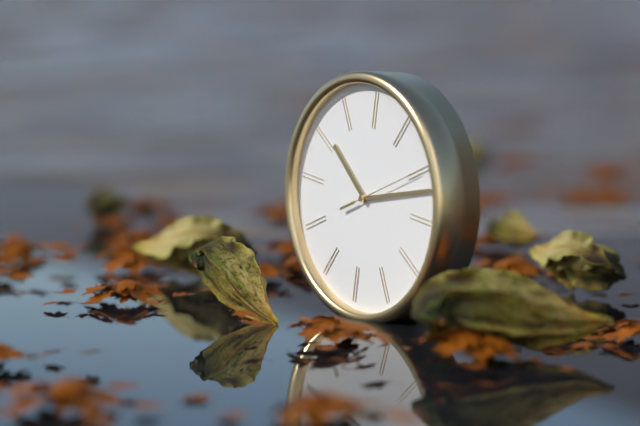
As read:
10,12,10
